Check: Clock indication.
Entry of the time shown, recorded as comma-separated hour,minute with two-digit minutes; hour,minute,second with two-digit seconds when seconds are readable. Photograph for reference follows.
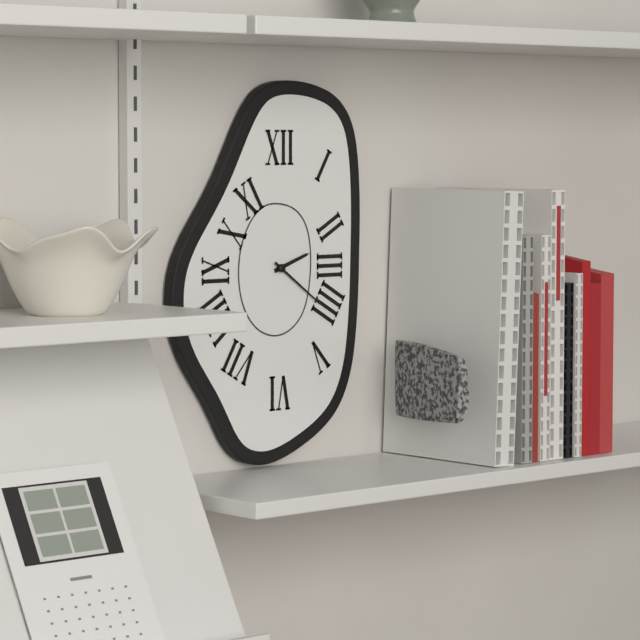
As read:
2,21
